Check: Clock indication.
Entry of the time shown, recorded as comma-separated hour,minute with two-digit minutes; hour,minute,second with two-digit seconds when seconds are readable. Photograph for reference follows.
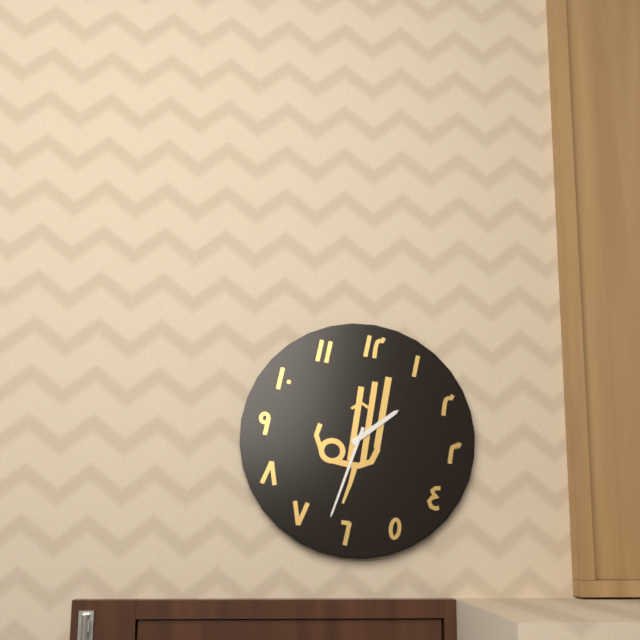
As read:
1,32
